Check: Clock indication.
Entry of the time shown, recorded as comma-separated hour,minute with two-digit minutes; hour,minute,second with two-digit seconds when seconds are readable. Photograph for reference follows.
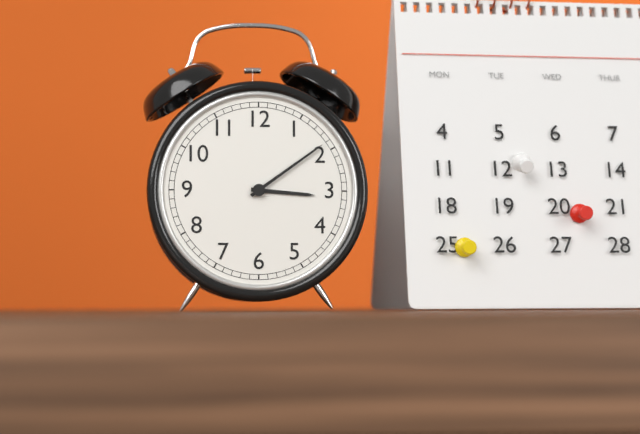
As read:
3,09
